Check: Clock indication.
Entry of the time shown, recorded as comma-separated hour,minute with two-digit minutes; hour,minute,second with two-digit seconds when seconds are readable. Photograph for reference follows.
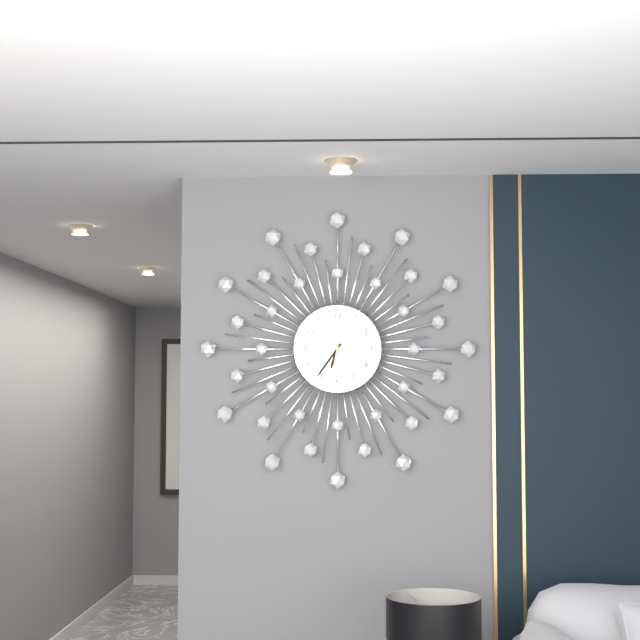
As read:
6,36
